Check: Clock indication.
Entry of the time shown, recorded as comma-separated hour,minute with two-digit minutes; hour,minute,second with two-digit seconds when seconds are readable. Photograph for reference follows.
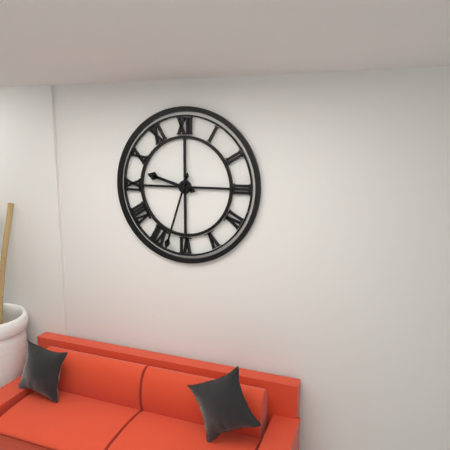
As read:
9,33
